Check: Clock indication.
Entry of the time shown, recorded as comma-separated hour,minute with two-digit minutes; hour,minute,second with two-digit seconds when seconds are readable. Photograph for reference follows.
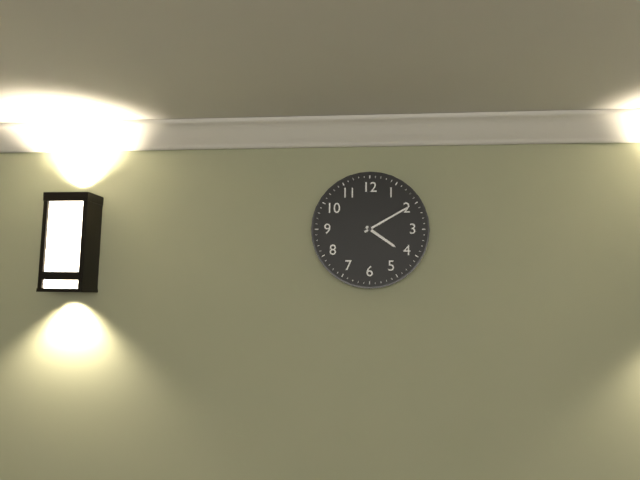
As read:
4,10
